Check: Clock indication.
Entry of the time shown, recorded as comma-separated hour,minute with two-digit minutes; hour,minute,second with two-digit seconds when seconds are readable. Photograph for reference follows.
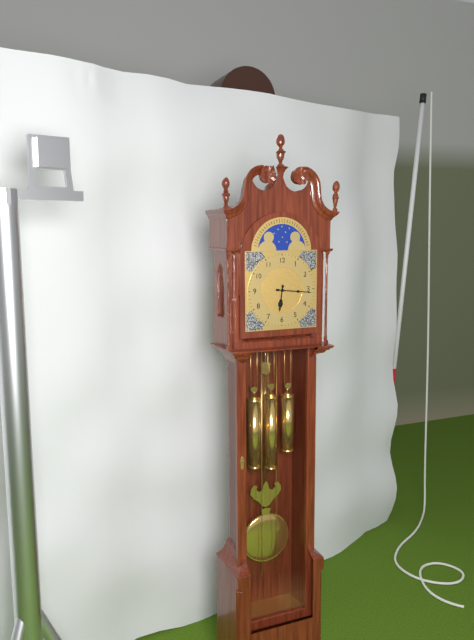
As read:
6,16
